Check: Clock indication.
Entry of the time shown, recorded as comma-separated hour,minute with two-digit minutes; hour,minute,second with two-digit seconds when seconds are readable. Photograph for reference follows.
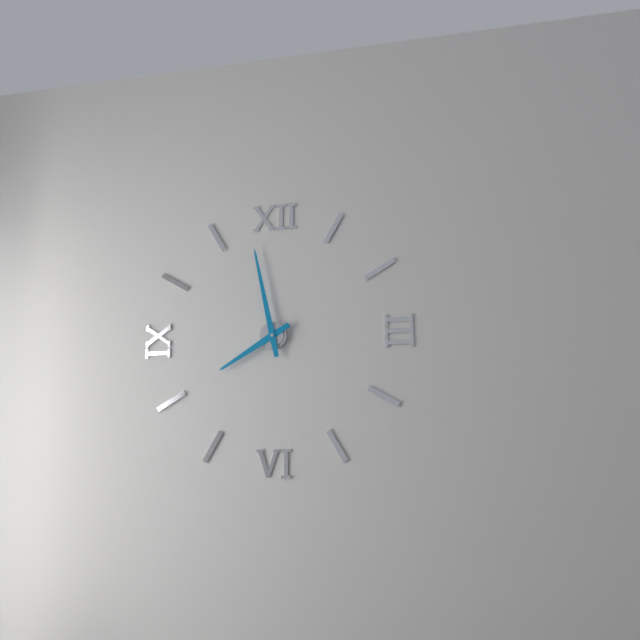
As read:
7,58
